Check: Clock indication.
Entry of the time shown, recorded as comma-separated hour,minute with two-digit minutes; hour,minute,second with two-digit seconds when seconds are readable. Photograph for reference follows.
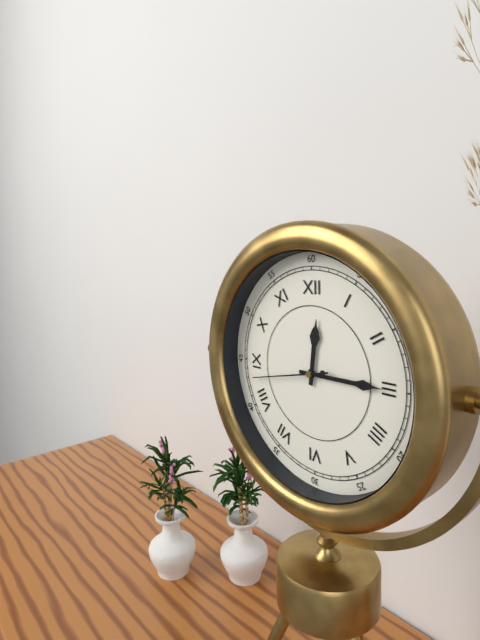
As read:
12,15,43
